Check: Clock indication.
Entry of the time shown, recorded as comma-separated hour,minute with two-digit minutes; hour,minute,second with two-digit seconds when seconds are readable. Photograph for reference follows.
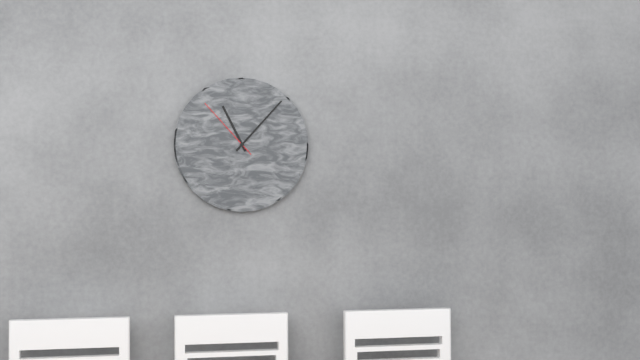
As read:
11,07,53
